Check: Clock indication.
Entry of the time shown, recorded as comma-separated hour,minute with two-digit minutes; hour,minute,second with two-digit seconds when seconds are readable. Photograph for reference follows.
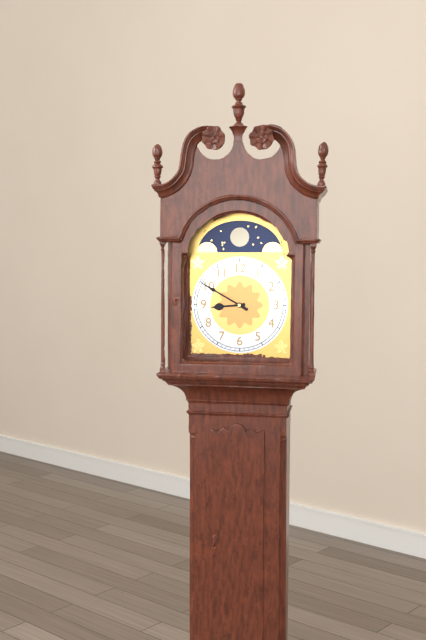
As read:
8,50
